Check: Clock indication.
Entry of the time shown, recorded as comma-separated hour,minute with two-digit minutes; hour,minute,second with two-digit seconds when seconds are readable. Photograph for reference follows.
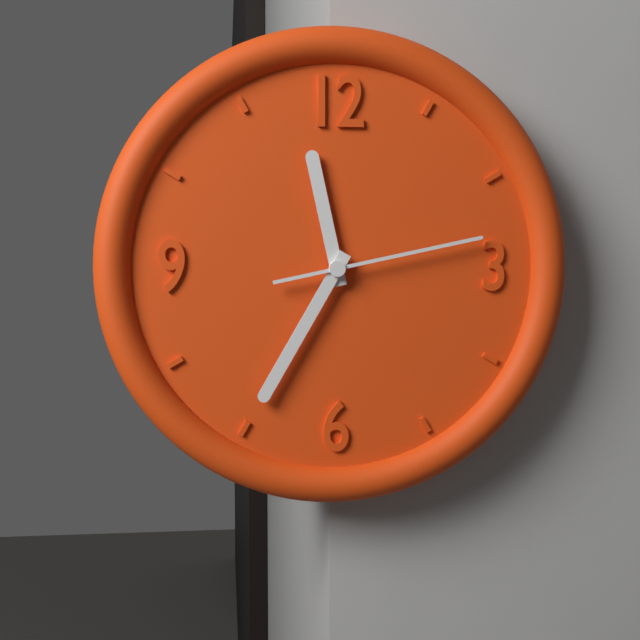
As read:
11,35,13
